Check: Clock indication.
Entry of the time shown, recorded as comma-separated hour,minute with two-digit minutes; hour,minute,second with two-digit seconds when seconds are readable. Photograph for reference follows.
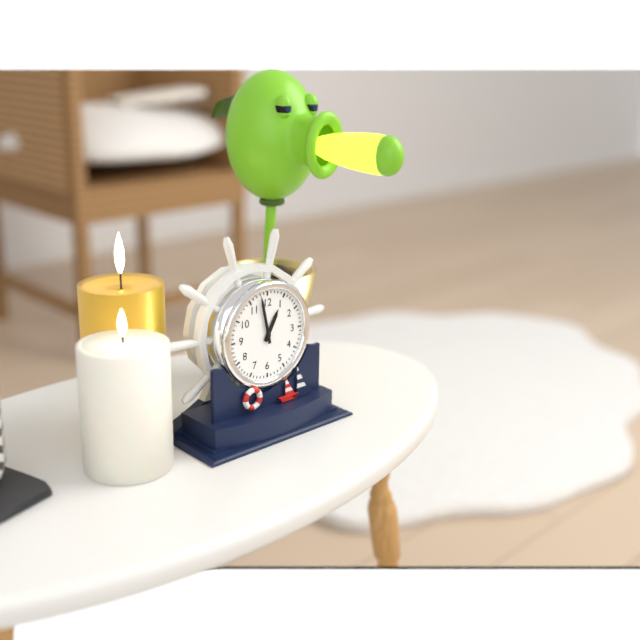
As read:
12,58
